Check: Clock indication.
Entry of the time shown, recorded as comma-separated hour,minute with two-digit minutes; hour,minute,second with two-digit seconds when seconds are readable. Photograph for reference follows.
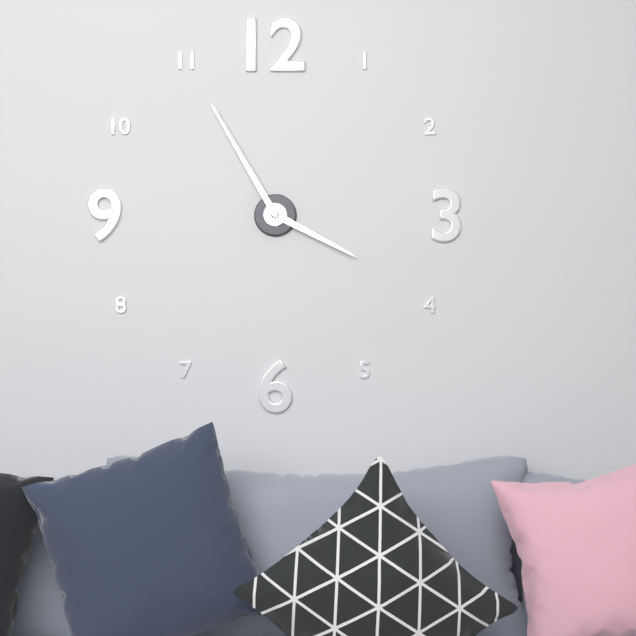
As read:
3,55
